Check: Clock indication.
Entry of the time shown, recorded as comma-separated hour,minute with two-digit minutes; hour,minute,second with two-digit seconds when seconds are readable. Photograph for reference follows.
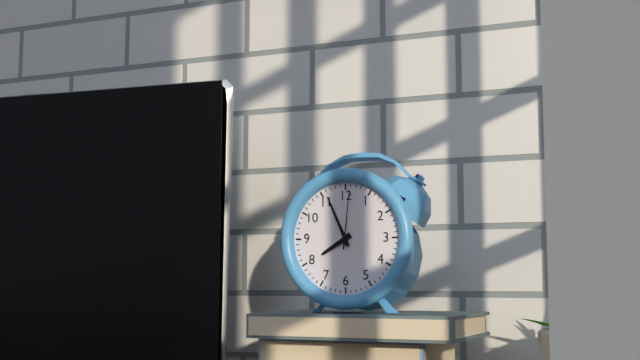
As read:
7,56,01
